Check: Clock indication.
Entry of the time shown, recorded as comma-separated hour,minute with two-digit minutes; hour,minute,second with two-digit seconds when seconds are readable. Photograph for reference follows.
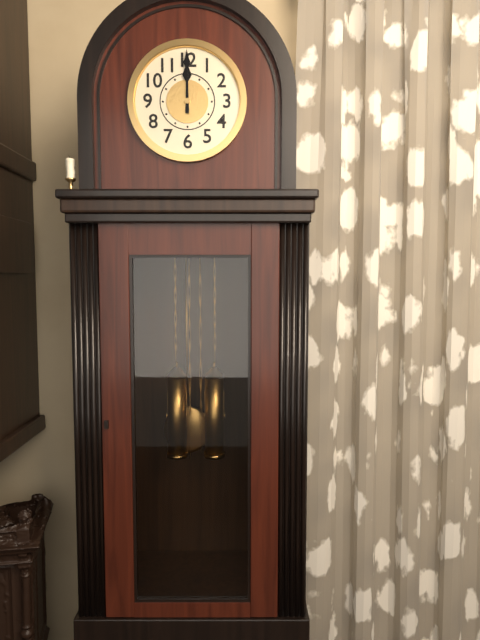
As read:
12,00
